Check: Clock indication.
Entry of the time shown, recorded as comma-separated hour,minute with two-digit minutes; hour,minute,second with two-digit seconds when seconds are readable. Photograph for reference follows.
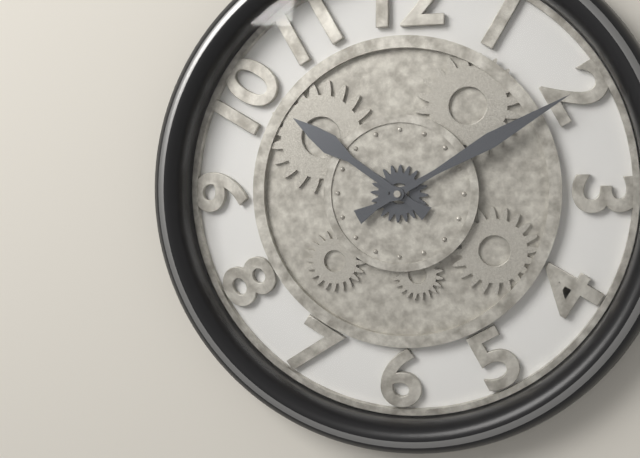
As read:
10,10
